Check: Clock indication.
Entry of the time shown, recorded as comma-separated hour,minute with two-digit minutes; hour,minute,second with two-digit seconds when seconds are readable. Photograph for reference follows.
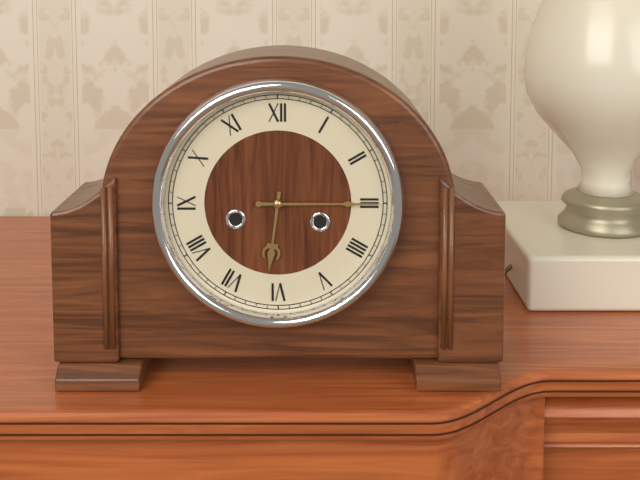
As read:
6,15
